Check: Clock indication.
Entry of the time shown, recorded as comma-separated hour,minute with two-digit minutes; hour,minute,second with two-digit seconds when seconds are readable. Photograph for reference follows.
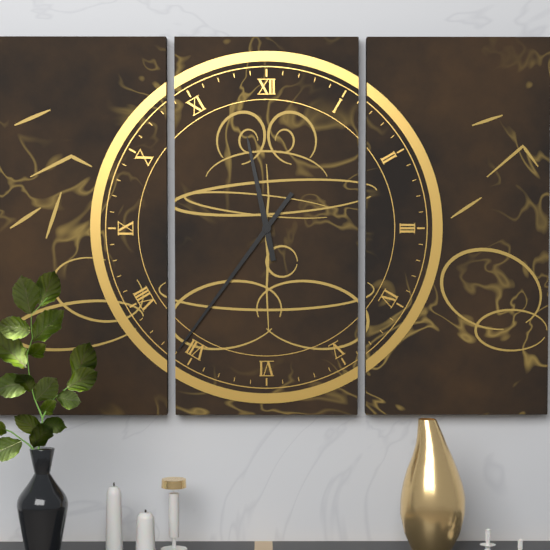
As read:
11,36
